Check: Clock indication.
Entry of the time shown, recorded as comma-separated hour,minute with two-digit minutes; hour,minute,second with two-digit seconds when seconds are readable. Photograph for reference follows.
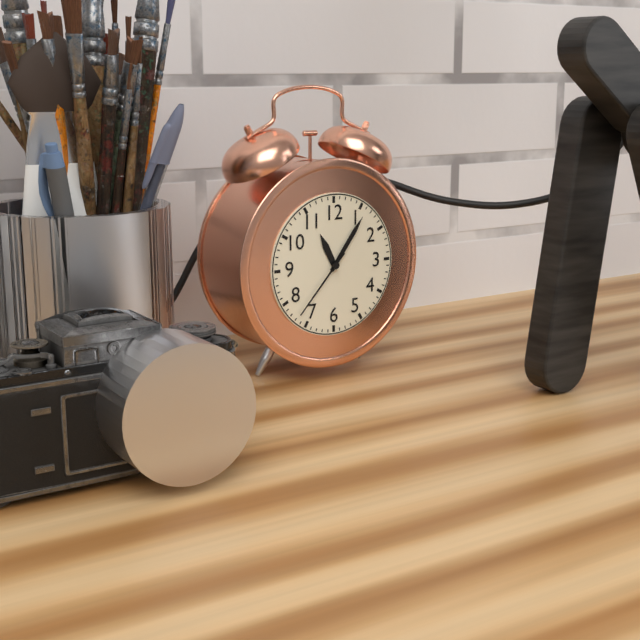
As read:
11,06,37
